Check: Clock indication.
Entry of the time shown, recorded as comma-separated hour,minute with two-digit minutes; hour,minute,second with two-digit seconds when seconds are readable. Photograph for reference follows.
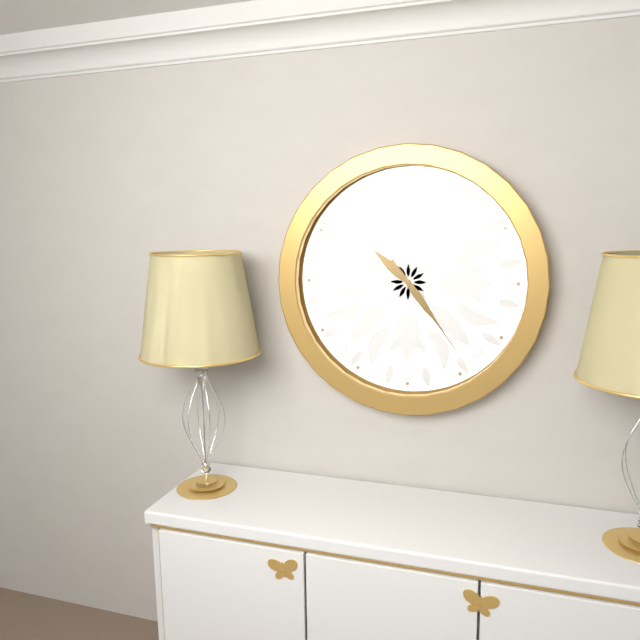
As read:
10,24
